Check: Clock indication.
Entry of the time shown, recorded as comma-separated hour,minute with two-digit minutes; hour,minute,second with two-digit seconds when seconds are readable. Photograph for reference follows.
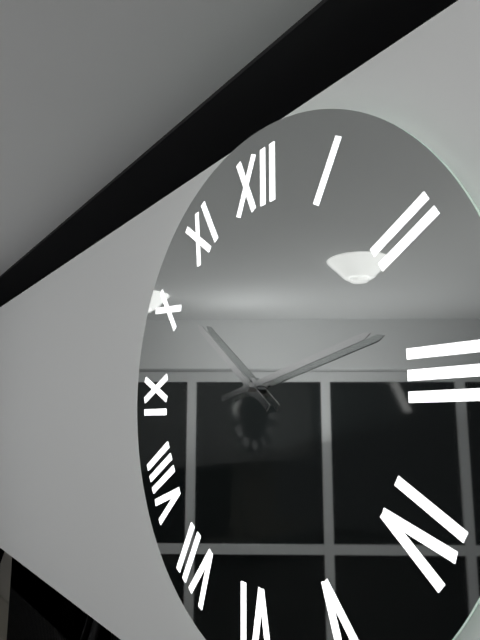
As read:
10,13
